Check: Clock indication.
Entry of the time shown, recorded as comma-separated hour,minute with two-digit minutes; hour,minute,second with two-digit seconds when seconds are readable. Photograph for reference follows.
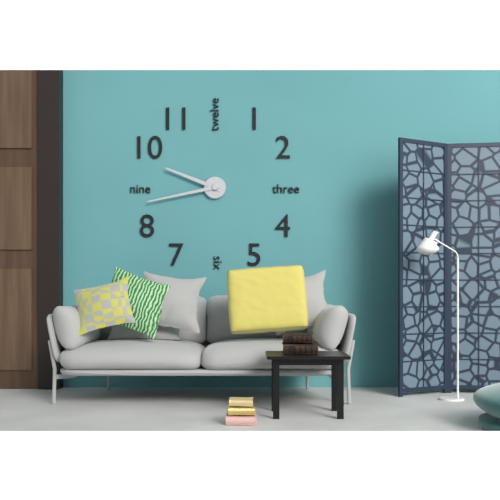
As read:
9,43
